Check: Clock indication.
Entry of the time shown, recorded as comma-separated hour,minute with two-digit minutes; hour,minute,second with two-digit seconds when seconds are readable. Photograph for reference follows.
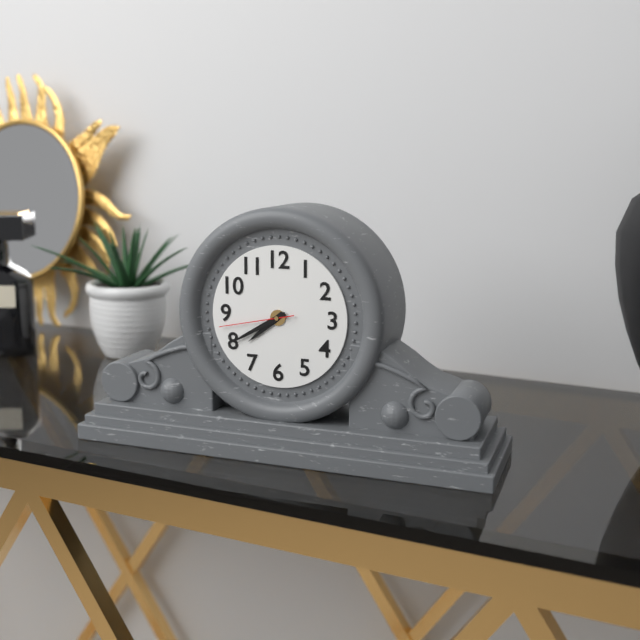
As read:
7,40,43
